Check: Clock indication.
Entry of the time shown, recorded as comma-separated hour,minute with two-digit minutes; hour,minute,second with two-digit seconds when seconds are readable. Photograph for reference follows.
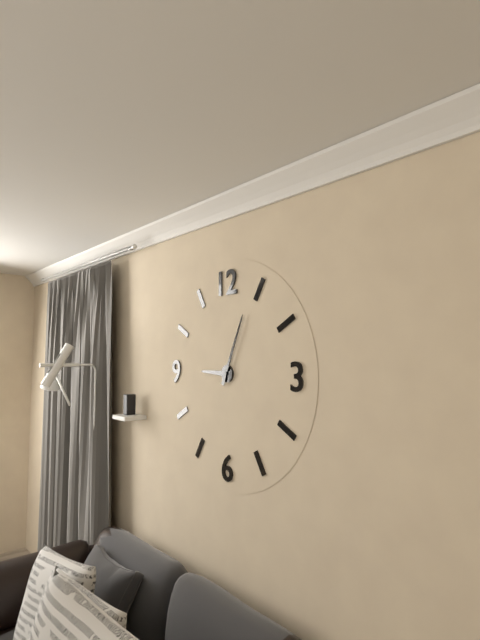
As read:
9,04
